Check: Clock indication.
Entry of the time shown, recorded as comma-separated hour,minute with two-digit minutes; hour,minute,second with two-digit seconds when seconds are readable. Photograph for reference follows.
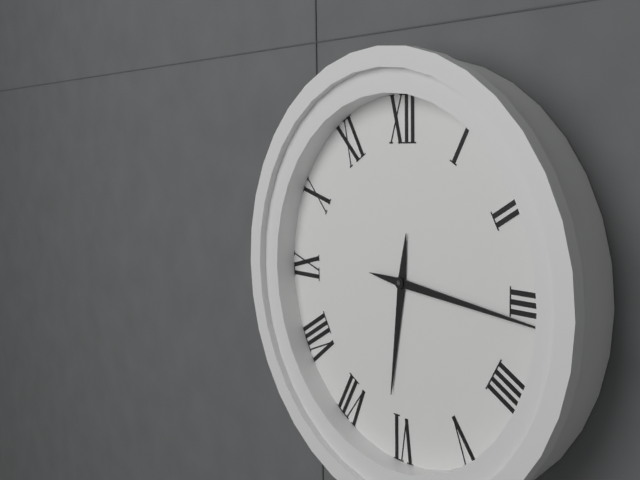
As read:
6,16
